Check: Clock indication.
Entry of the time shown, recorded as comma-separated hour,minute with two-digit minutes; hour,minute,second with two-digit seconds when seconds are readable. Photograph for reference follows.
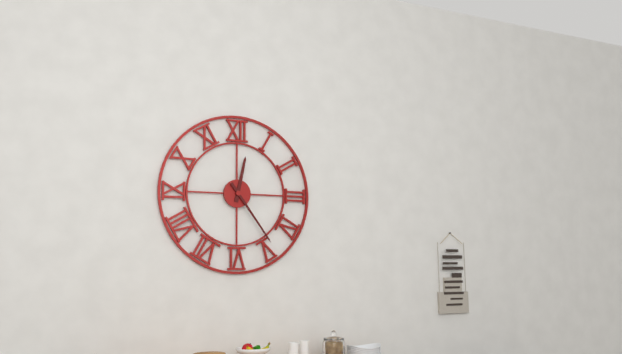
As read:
12,24
